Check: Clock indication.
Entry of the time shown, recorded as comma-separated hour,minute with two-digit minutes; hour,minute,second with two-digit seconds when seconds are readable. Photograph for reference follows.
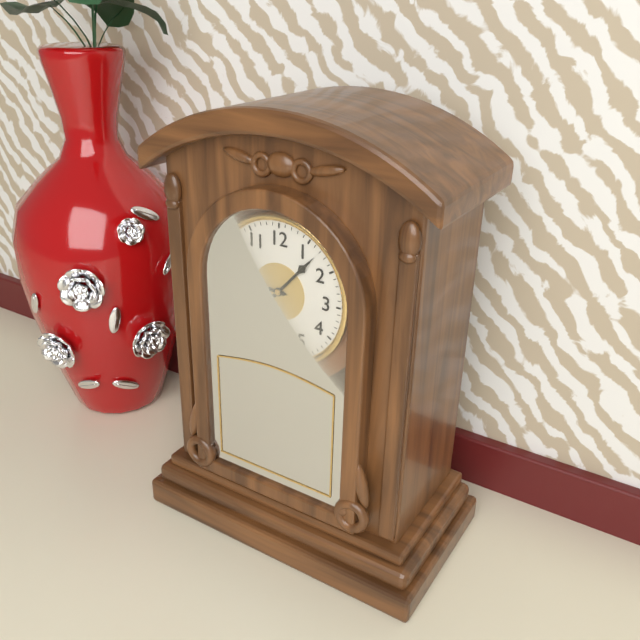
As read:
9,07
